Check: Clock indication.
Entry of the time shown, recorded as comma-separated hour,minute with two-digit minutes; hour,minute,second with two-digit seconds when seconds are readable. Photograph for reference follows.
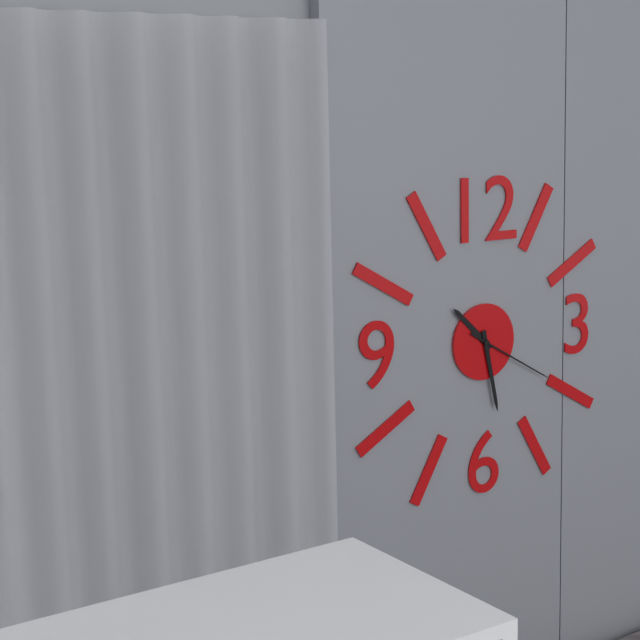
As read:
10,28,20
